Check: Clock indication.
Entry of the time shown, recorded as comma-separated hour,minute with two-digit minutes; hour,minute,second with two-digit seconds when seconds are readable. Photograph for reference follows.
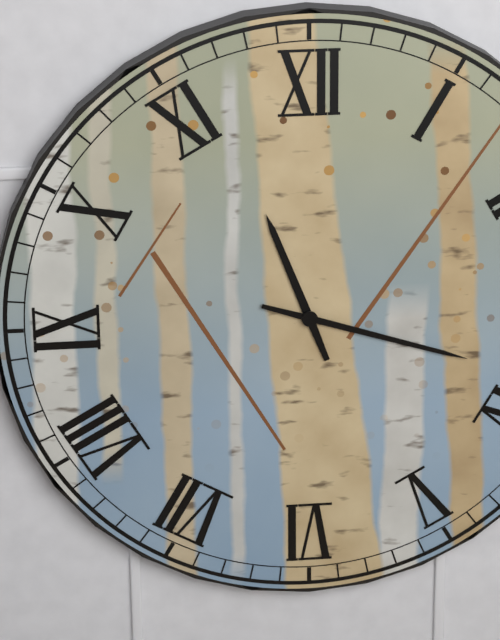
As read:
11,18
